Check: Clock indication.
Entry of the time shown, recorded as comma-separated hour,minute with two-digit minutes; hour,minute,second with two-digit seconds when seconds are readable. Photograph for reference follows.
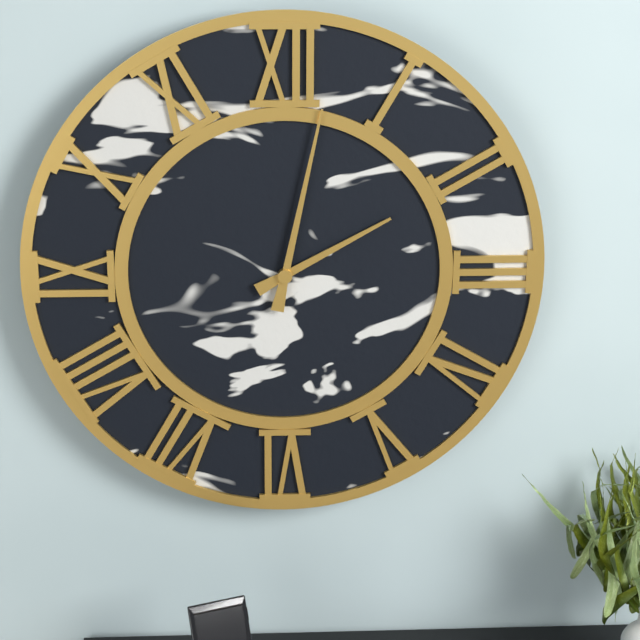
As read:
2,02
